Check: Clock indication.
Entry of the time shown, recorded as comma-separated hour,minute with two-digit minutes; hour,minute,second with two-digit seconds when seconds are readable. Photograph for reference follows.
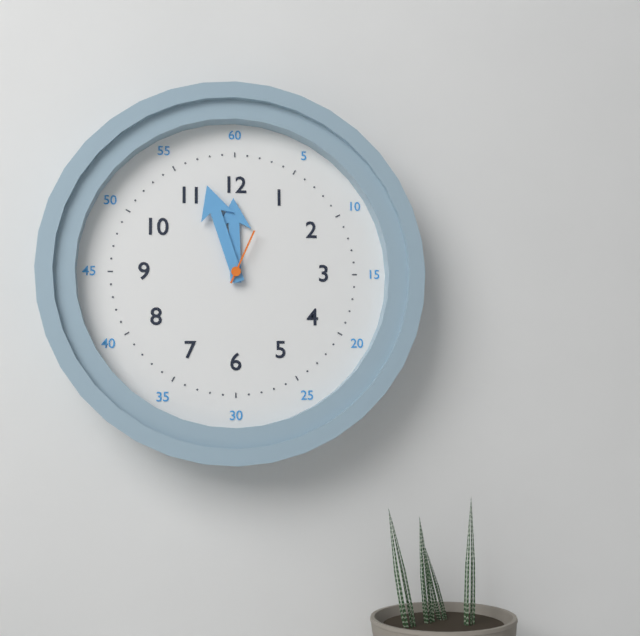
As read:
11,57,04
